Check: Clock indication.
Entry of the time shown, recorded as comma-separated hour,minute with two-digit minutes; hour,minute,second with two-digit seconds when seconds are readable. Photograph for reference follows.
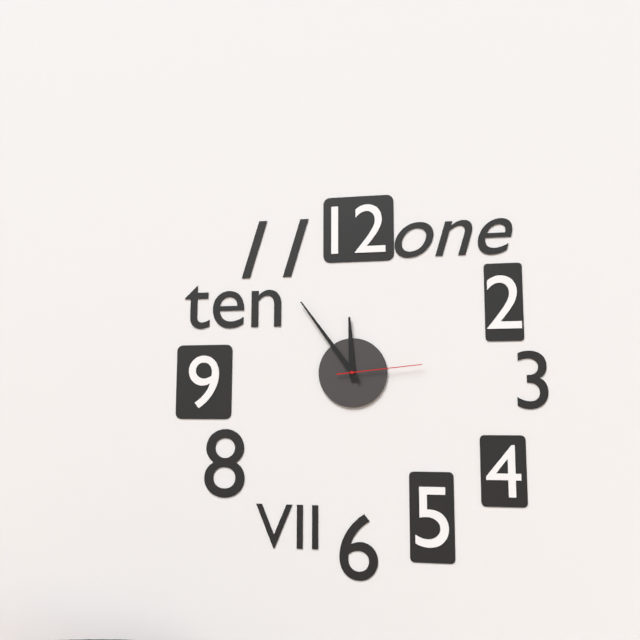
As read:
11,54,14
